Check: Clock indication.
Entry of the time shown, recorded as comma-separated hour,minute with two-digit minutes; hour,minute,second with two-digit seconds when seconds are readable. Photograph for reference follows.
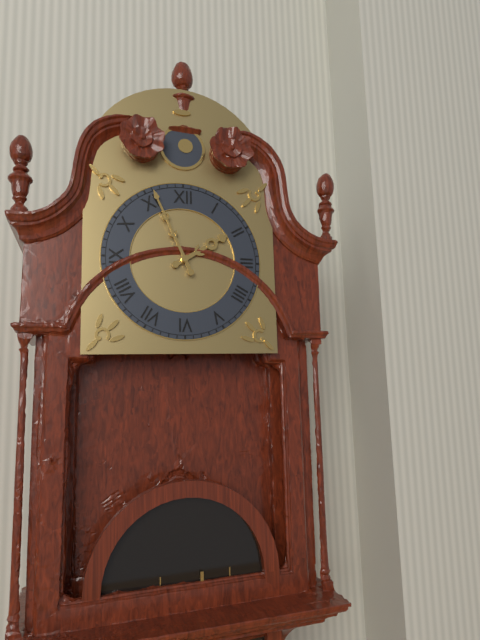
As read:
1,56
